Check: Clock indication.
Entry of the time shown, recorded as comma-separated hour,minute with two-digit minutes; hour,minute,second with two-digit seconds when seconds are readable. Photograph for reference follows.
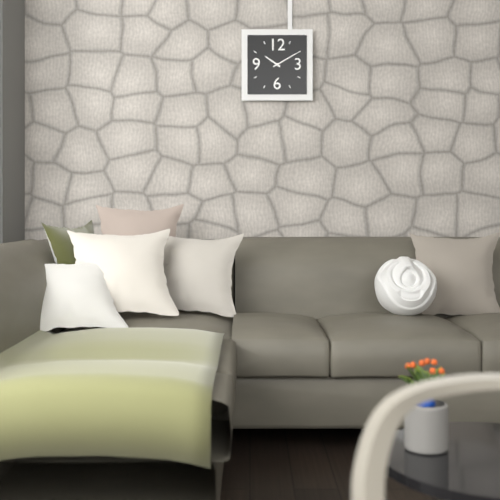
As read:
10,10
